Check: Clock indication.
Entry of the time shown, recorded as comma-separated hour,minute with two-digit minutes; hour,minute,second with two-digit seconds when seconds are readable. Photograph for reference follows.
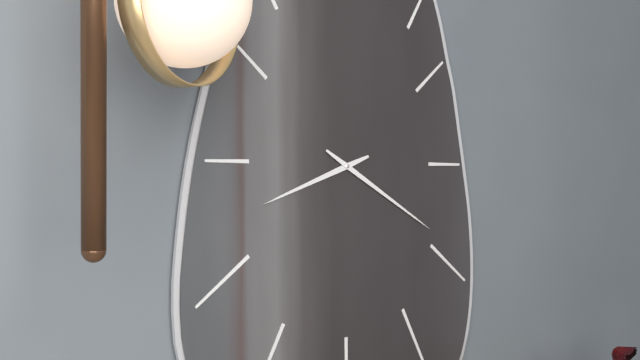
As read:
8,20
